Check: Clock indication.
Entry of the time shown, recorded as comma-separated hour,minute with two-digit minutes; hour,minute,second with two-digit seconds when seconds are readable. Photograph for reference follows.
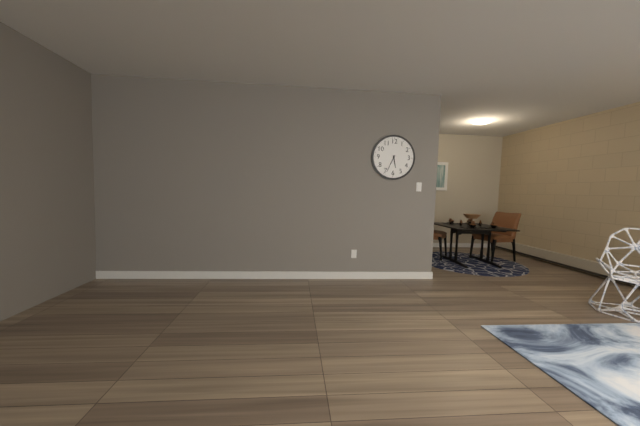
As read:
5,34
